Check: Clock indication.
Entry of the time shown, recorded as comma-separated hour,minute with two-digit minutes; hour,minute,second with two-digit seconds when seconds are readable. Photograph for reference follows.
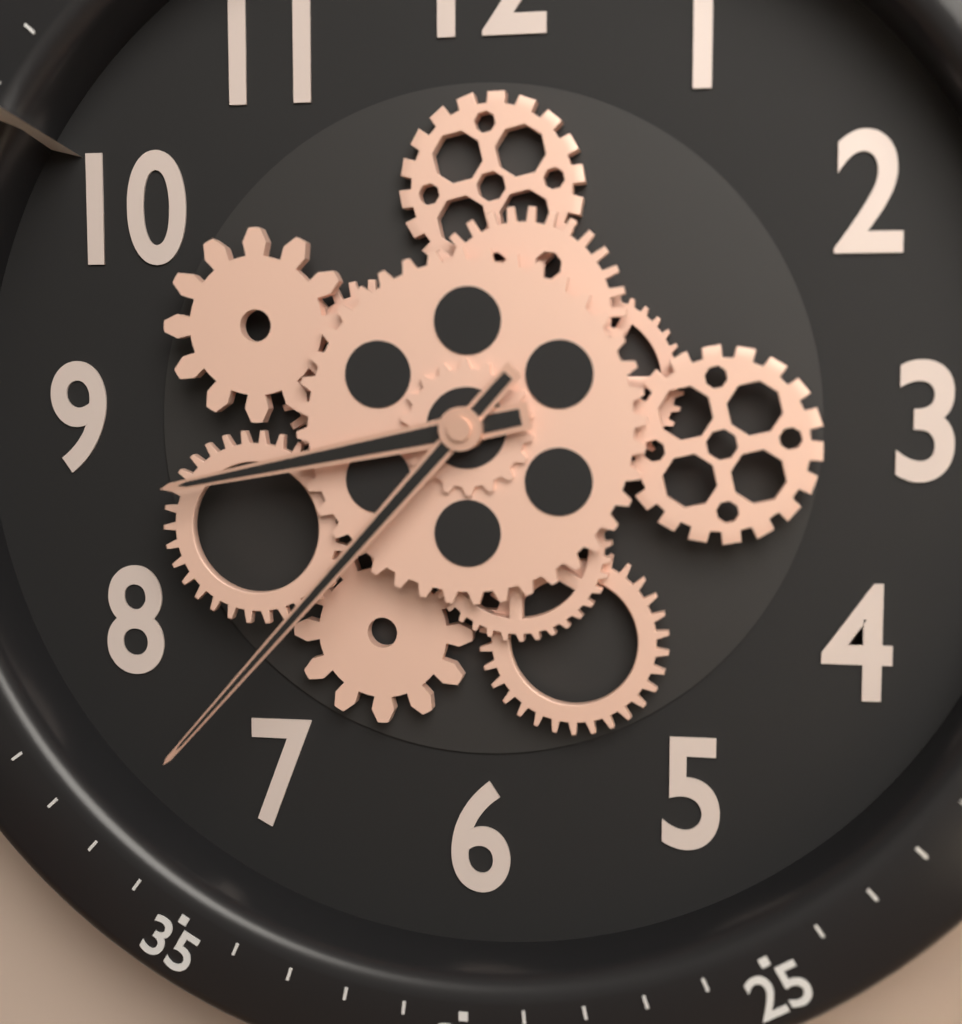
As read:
8,37
